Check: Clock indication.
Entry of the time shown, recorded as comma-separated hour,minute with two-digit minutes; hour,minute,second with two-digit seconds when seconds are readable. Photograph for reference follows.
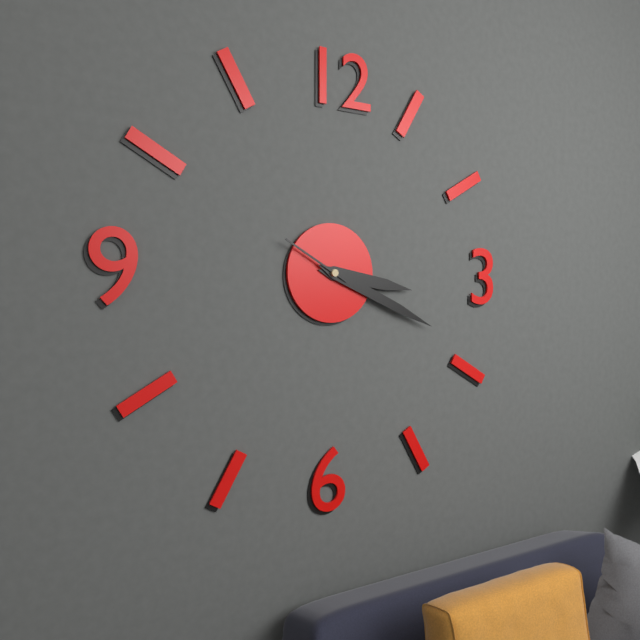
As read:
3,19,50
